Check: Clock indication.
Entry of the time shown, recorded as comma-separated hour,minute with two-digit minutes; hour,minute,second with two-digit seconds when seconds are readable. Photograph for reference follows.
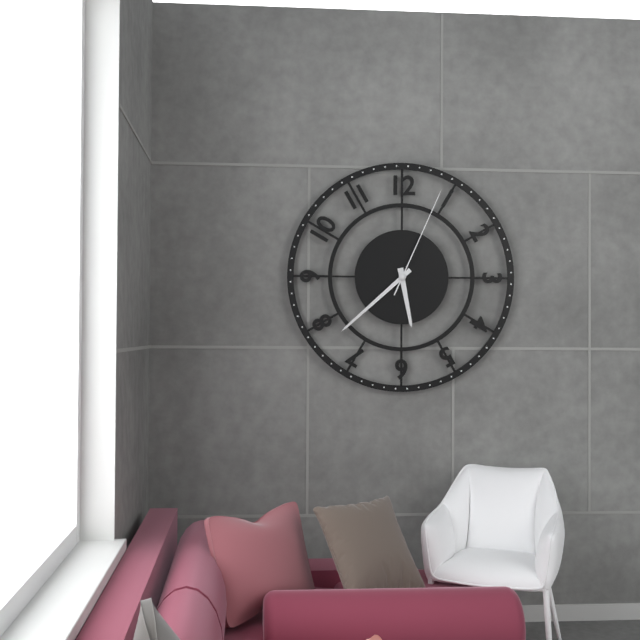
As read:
5,38,04
